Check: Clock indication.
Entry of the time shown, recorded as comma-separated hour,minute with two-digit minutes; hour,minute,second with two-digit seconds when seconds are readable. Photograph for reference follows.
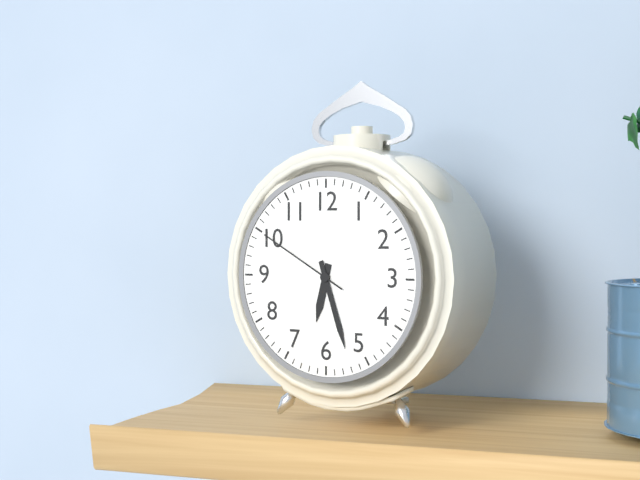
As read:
6,27,50
